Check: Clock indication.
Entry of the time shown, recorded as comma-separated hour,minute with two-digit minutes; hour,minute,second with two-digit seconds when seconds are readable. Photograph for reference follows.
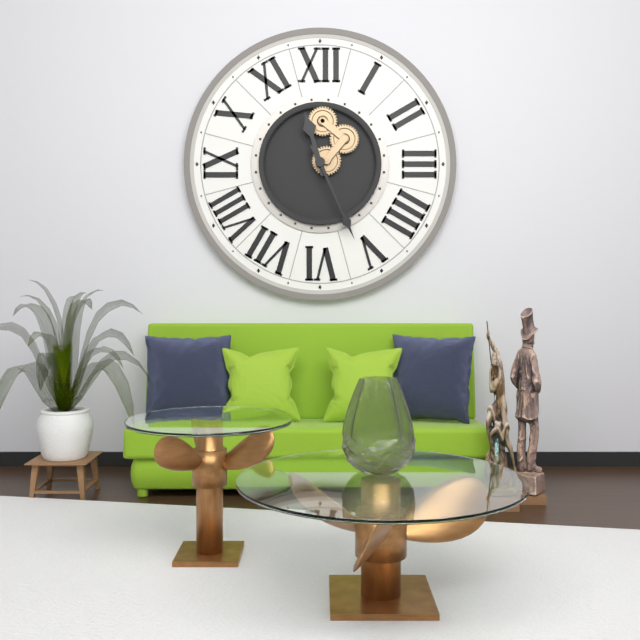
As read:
11,26
